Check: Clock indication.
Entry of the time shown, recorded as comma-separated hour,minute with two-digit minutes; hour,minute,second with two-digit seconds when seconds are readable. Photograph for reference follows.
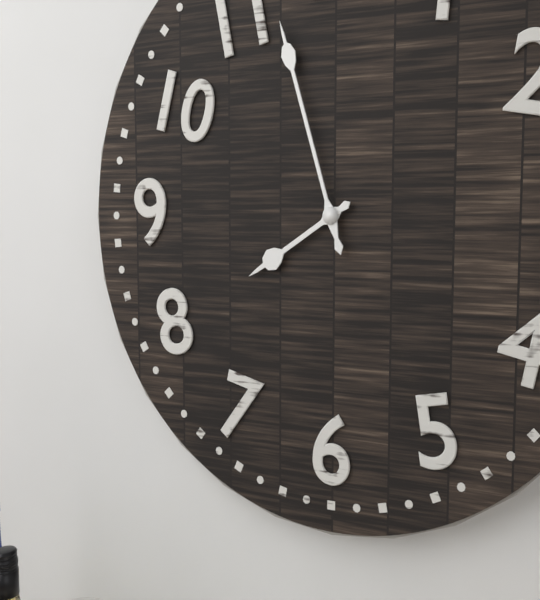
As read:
7,57
